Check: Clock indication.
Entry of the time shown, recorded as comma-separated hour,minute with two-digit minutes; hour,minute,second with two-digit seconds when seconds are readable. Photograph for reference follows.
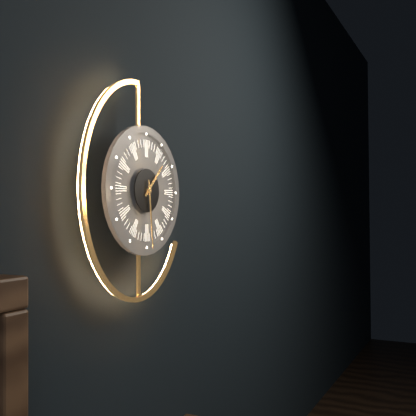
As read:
1,29
